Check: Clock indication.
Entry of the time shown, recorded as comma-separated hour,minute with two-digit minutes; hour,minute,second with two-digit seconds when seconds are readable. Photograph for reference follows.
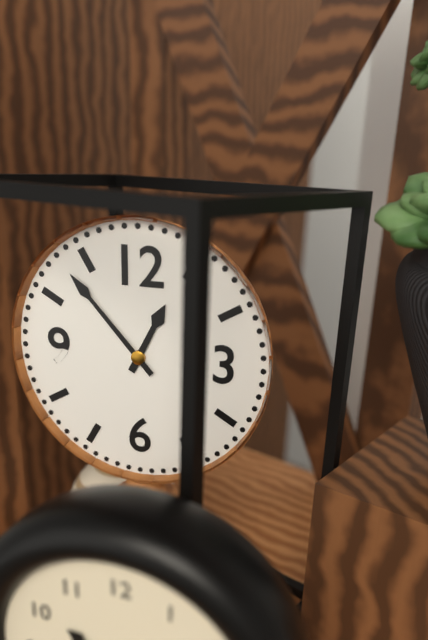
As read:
12,53
